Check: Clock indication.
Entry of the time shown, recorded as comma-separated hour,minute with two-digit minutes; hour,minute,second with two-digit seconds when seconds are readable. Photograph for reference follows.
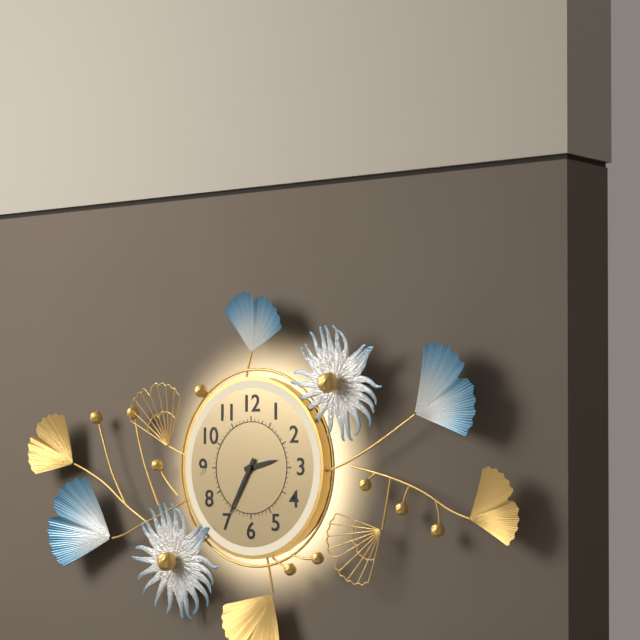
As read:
2,35
